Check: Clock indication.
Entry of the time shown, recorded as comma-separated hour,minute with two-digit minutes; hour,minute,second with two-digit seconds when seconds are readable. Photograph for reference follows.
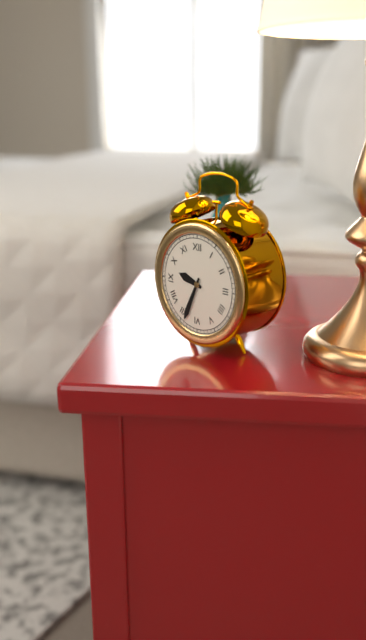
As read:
9,34
